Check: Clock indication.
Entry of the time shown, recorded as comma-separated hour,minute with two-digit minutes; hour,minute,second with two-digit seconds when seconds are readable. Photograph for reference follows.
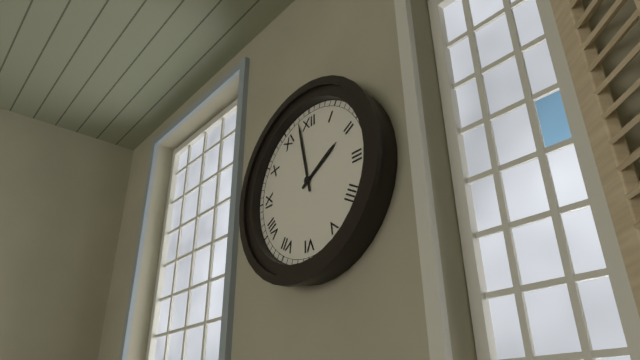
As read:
1,58
